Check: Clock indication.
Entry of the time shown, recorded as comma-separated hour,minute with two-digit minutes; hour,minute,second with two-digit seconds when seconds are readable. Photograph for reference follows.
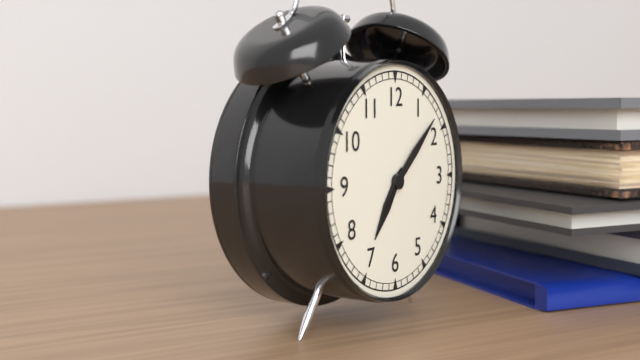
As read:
7,08
